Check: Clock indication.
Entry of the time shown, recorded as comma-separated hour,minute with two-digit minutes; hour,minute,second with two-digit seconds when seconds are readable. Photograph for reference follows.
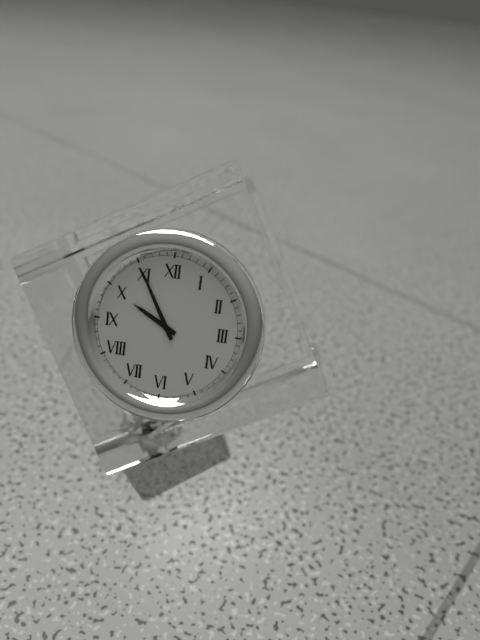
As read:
9,55
